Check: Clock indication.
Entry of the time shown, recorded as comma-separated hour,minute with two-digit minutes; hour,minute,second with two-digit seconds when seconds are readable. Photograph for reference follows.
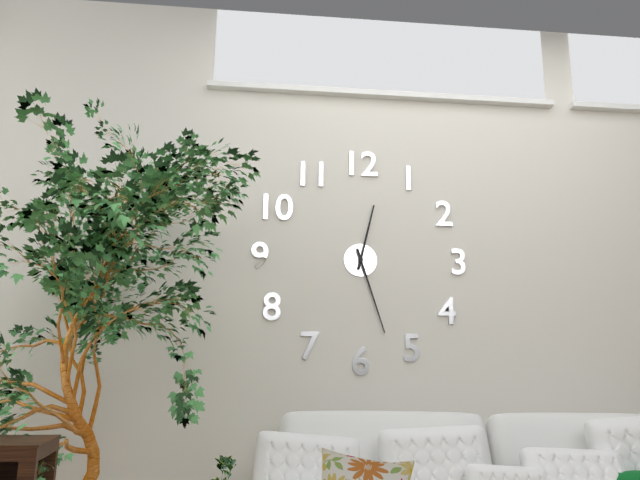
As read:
12,27
